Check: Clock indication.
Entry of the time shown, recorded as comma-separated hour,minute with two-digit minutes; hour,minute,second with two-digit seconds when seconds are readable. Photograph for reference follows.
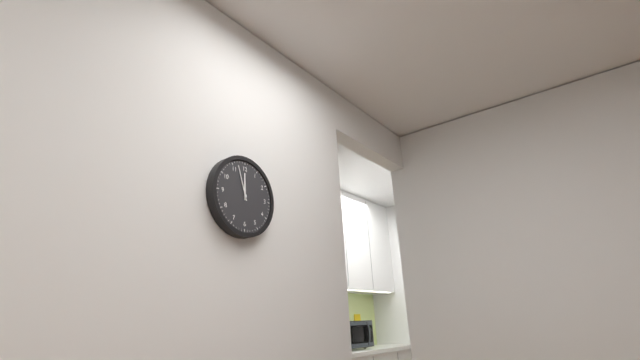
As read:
11,57
